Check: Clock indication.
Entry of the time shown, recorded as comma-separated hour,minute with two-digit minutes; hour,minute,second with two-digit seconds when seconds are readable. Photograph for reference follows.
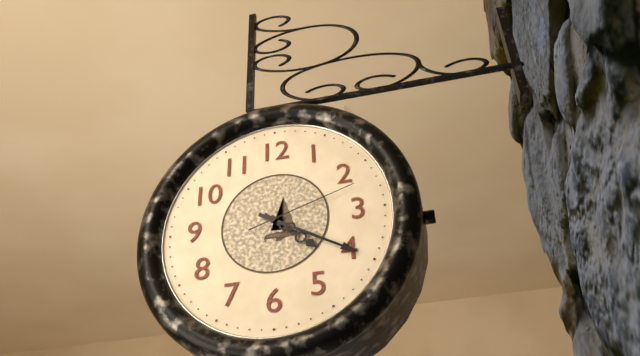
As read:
4,20,12
